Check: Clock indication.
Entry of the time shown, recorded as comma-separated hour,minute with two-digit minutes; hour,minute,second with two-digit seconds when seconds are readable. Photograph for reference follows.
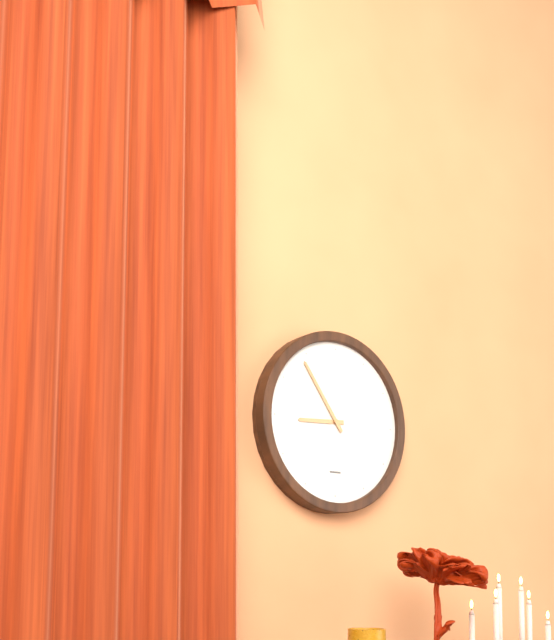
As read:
8,54
